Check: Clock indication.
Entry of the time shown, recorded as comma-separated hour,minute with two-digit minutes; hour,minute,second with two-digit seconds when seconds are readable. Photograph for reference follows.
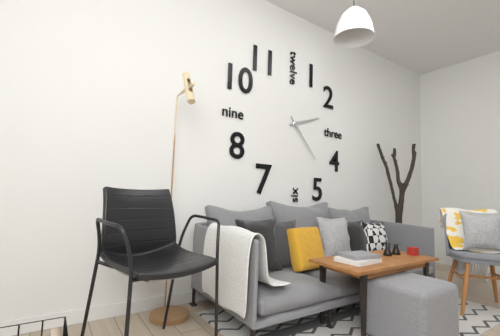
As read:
2,23
